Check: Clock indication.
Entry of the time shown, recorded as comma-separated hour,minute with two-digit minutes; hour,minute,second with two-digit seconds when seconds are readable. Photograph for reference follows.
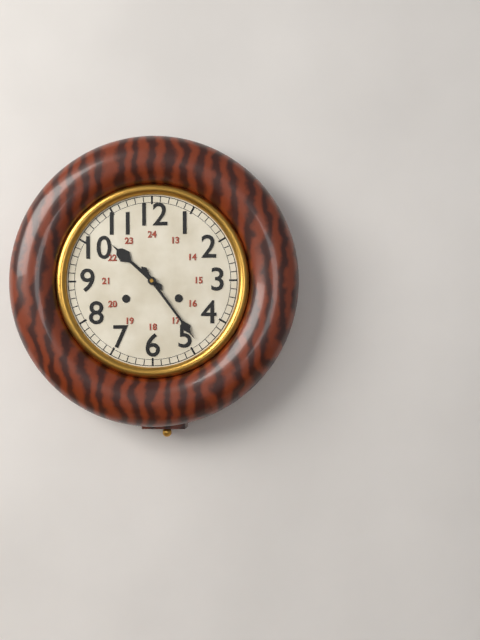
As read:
10,24
